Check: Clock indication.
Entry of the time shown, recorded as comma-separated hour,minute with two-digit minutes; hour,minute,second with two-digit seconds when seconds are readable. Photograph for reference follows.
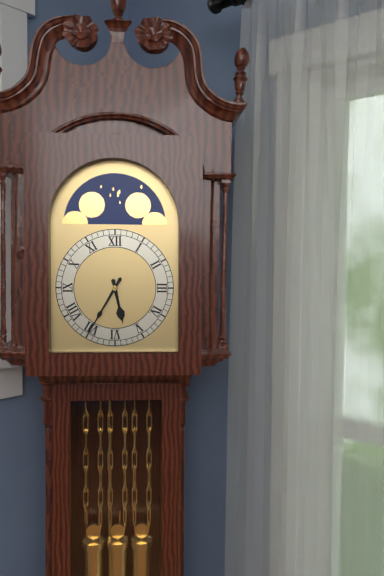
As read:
5,35
